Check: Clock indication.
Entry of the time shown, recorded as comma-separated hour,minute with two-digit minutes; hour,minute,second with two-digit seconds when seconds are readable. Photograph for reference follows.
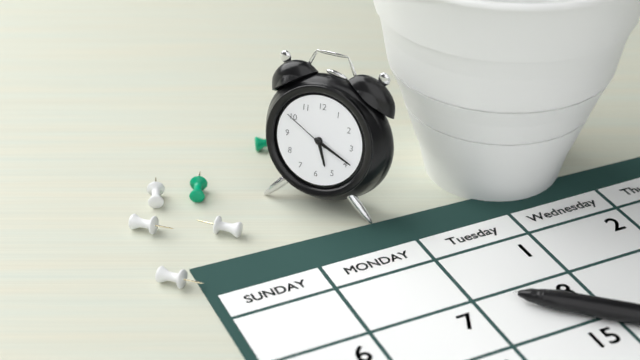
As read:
5,19,50
